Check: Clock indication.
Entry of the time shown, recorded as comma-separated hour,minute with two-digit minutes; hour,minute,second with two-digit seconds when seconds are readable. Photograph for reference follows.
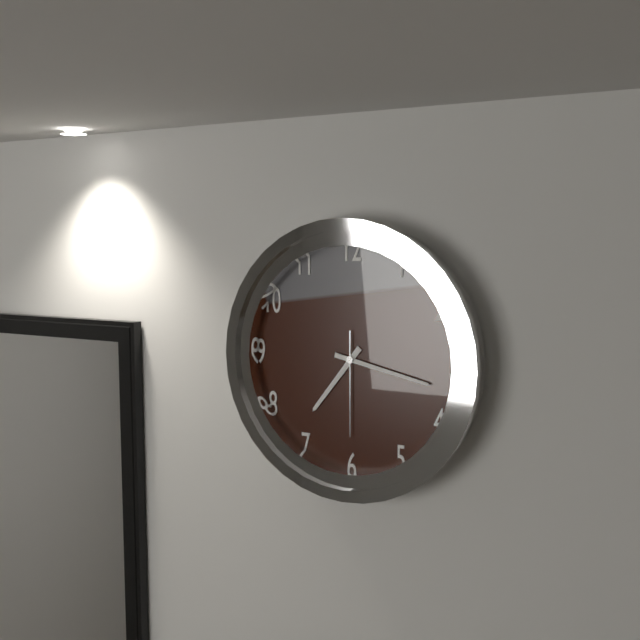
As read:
7,17,30
